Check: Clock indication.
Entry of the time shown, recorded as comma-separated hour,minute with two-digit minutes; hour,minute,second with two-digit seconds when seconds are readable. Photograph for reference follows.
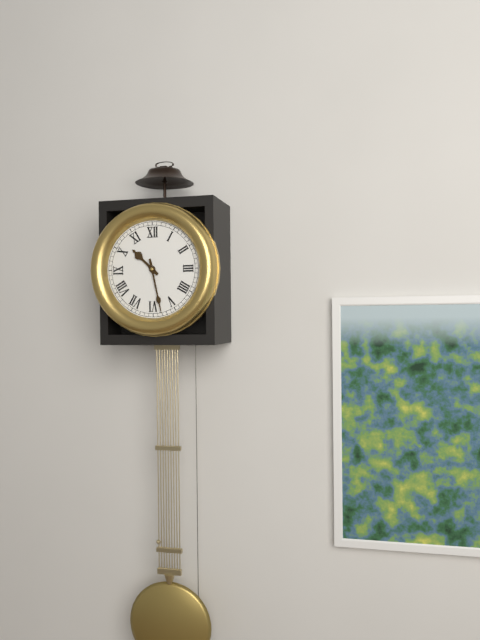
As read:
10,28
